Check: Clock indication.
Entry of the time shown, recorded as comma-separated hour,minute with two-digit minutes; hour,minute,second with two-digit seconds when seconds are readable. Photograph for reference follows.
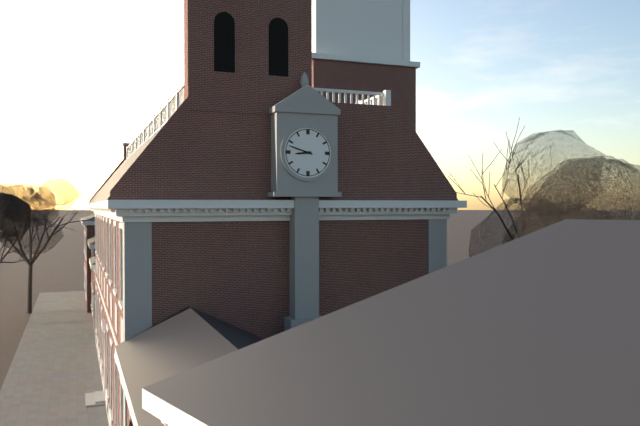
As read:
8,48
